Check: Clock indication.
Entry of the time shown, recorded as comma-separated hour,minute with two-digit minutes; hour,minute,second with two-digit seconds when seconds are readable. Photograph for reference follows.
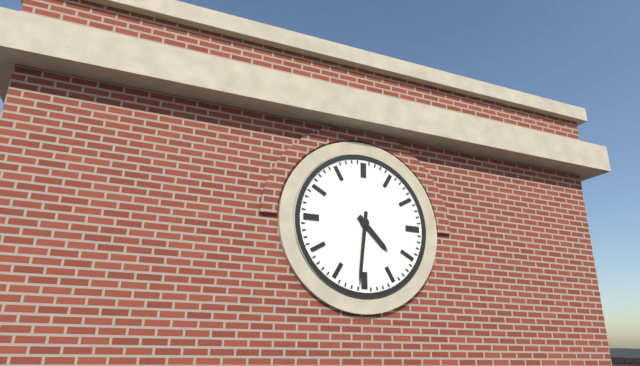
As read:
4,31
